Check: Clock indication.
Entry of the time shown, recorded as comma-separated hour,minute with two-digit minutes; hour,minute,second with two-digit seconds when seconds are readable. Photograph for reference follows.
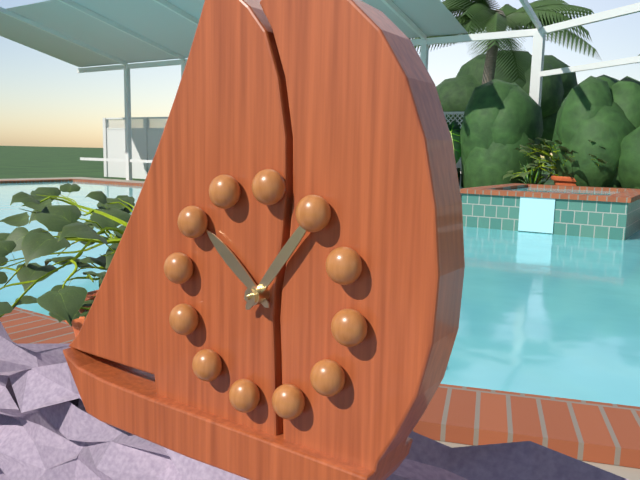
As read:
10,05
